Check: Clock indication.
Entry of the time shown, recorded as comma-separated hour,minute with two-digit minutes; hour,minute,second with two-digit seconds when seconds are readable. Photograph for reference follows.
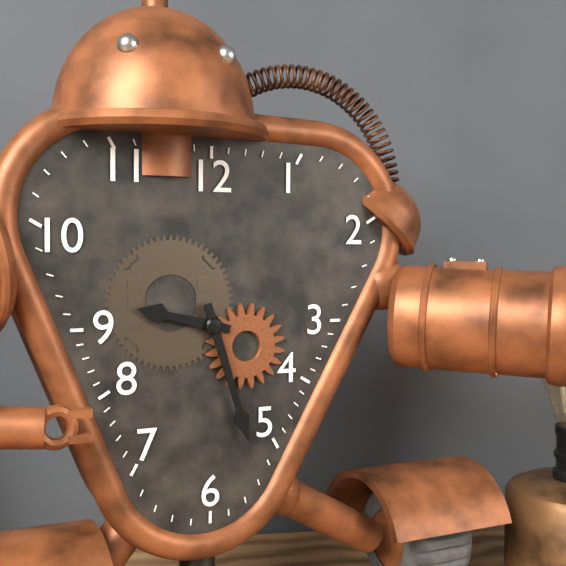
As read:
9,27
